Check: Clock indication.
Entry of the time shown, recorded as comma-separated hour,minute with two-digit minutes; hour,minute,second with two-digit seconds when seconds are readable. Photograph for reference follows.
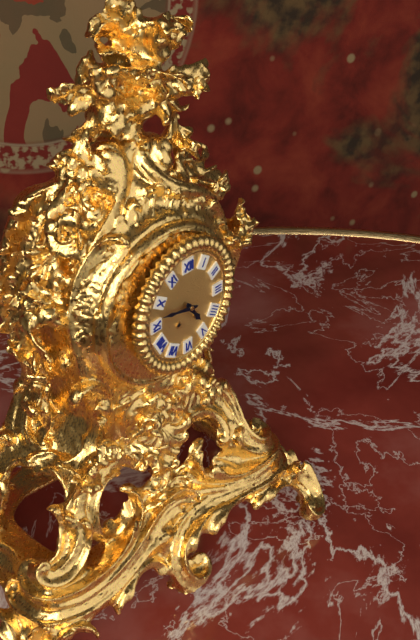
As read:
4,47
